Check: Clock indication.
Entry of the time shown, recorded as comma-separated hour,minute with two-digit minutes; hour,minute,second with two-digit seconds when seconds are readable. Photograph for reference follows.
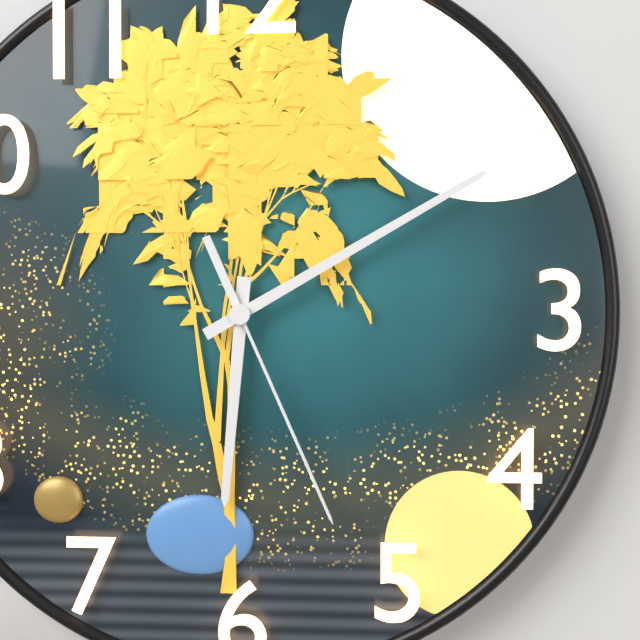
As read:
6,10,26
